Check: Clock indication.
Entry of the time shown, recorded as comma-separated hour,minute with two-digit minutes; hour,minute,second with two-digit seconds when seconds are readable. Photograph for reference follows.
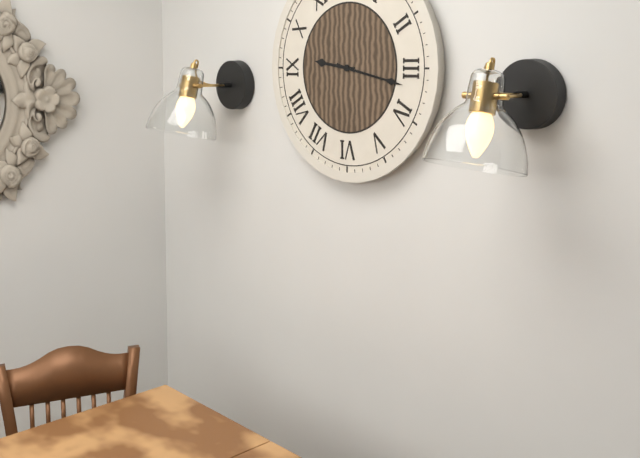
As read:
9,17
